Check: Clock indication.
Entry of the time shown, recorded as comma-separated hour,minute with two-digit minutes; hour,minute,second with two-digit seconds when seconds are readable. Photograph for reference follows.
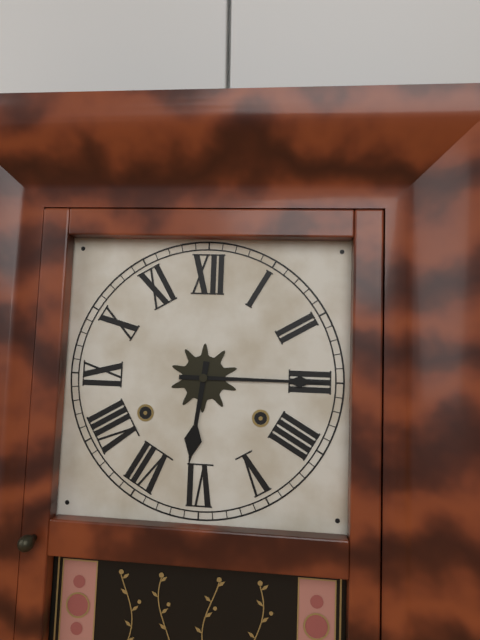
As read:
6,15
